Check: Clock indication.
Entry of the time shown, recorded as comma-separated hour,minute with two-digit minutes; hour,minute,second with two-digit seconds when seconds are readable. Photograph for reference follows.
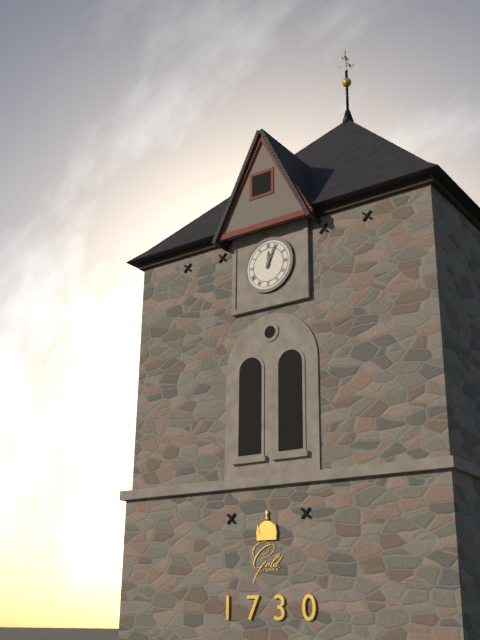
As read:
12,04
